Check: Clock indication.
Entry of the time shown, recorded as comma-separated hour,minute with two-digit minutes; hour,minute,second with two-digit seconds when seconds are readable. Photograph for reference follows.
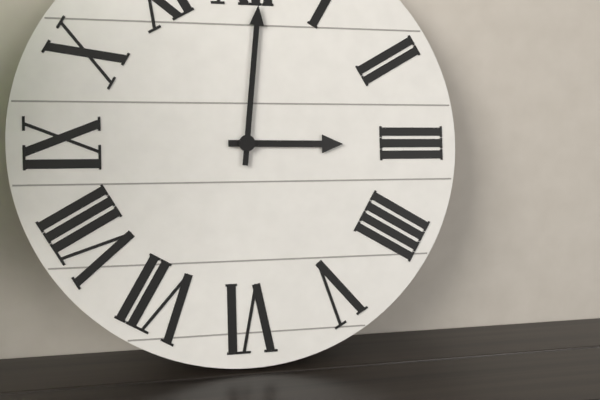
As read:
3,01
